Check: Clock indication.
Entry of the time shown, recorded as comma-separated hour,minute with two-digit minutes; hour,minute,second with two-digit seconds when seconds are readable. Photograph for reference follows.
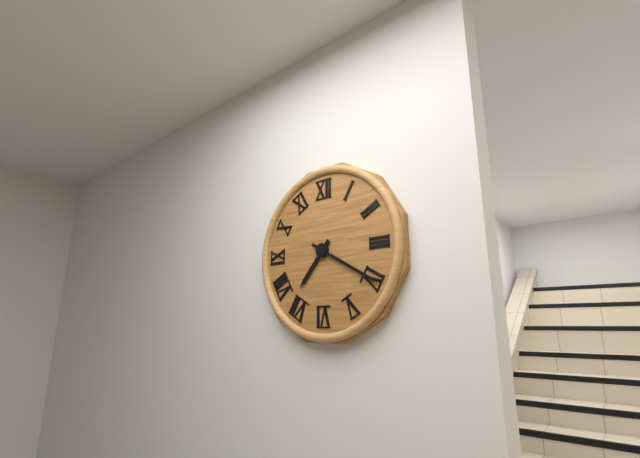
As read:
7,20
